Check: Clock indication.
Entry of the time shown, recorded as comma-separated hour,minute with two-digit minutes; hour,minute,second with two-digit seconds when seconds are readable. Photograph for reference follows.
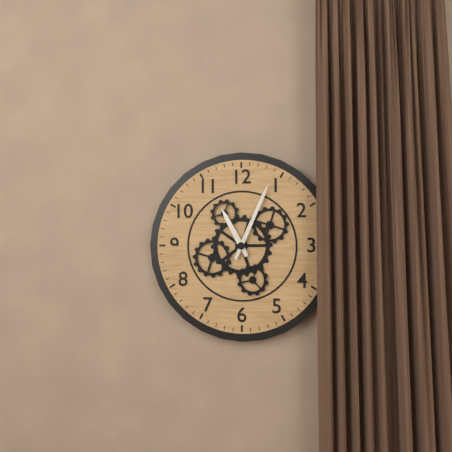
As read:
11,04
